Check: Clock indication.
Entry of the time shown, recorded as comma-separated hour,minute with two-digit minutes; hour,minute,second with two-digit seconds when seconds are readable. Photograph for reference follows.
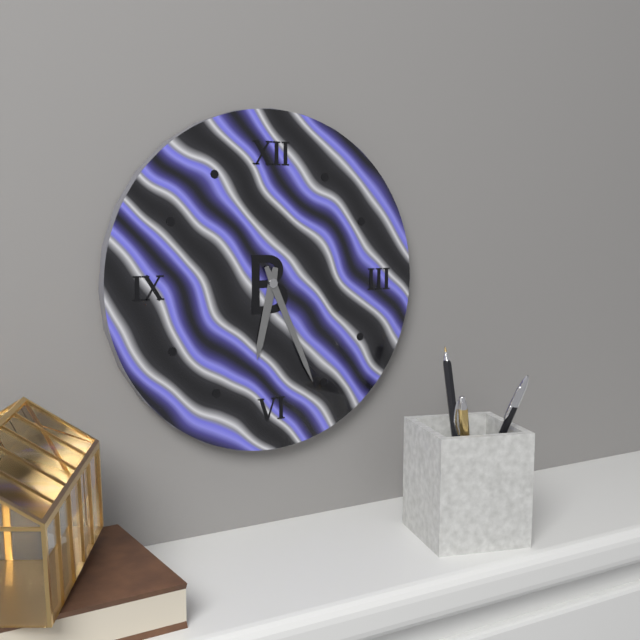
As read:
6,26
